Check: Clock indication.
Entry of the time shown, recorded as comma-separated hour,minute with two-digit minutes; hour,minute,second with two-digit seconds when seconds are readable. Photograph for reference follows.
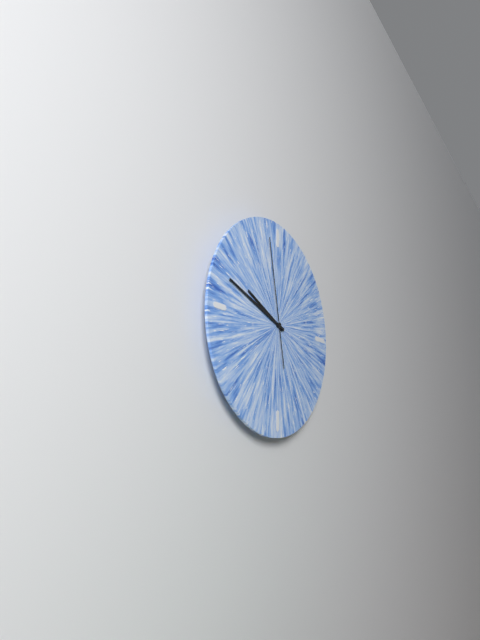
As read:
9,48,58
